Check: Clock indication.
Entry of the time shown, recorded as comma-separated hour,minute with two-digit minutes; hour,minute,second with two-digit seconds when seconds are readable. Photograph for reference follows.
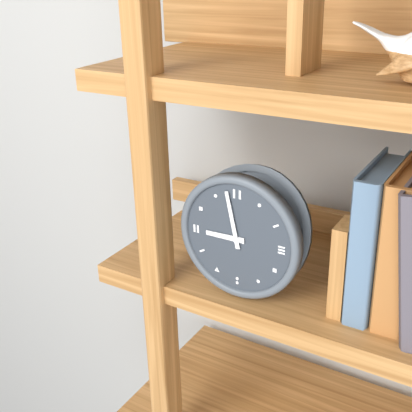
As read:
8,58
